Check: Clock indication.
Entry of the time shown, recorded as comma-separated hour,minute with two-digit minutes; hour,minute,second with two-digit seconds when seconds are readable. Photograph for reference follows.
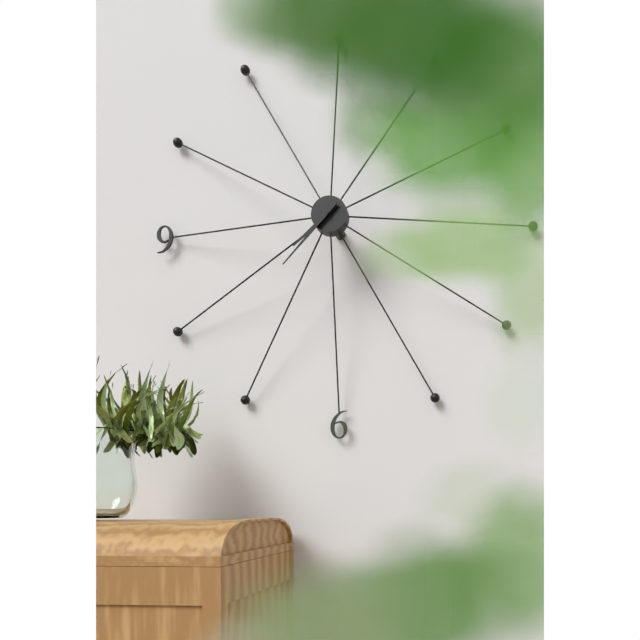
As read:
7,37
